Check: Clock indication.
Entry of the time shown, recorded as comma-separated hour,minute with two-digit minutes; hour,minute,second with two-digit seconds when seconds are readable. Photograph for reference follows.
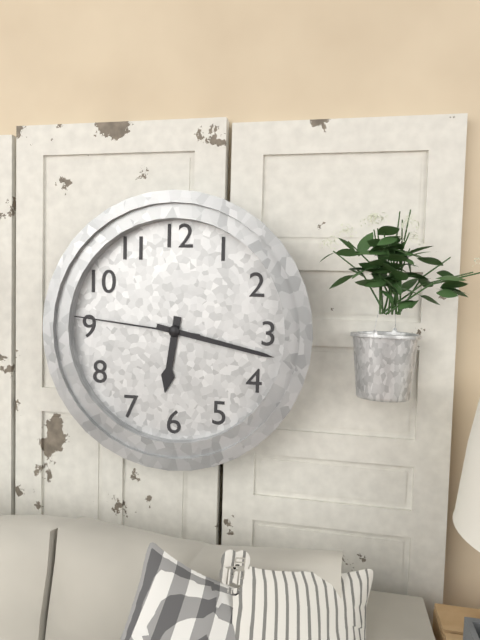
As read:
6,17,46
